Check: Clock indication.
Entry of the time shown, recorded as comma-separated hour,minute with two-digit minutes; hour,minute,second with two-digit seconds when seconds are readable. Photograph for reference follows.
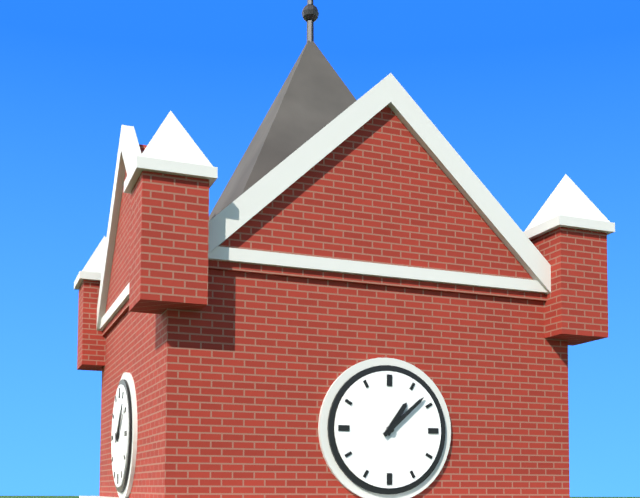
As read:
1,08
